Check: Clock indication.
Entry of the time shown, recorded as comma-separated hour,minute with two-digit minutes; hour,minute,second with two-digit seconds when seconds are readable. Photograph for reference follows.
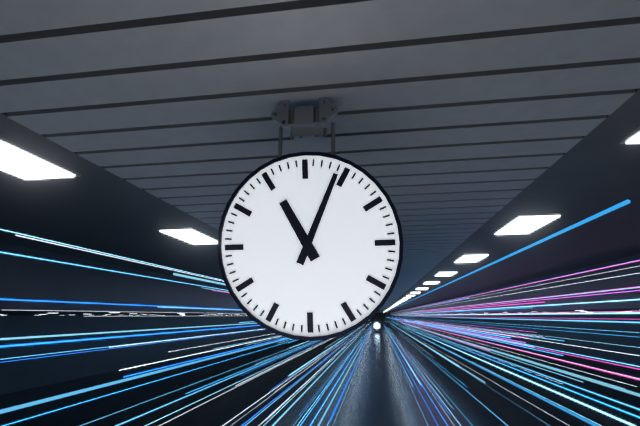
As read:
11,04
